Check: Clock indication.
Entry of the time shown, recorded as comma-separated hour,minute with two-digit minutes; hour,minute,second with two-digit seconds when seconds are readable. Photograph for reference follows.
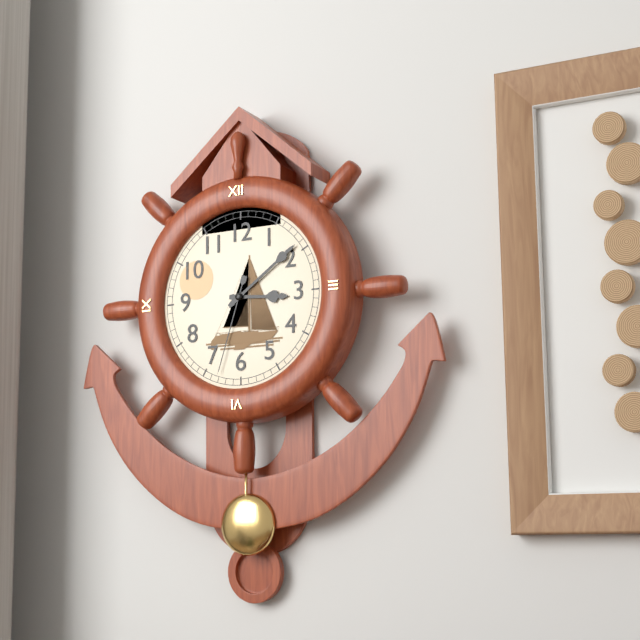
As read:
3,09,33
